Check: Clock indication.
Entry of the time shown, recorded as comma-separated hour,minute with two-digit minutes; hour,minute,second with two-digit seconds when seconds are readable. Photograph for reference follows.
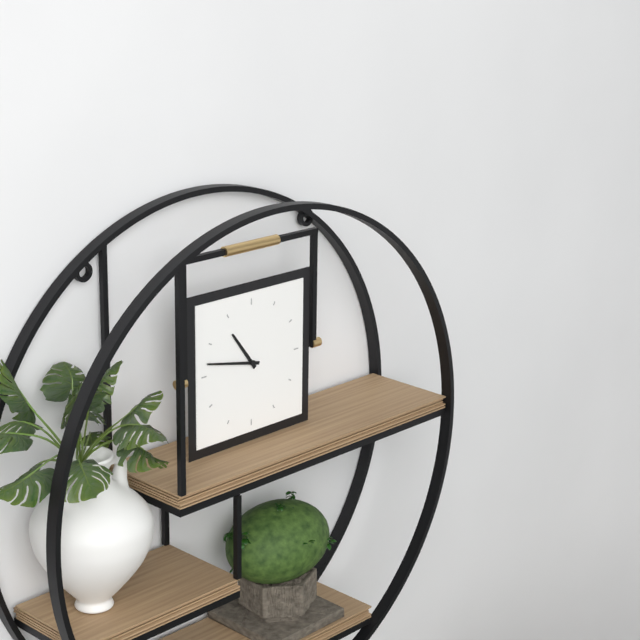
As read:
10,47
